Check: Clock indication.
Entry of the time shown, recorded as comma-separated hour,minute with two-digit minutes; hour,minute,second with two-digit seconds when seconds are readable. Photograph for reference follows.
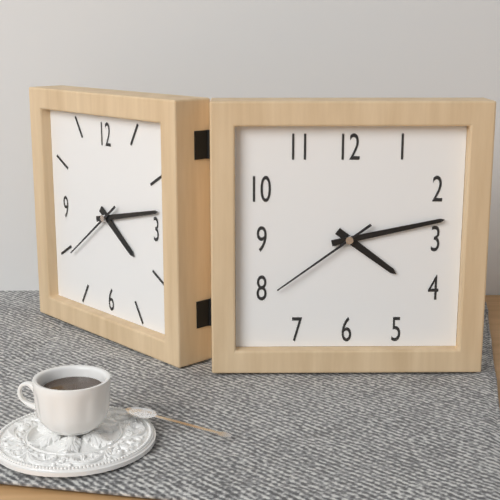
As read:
4,13,39
